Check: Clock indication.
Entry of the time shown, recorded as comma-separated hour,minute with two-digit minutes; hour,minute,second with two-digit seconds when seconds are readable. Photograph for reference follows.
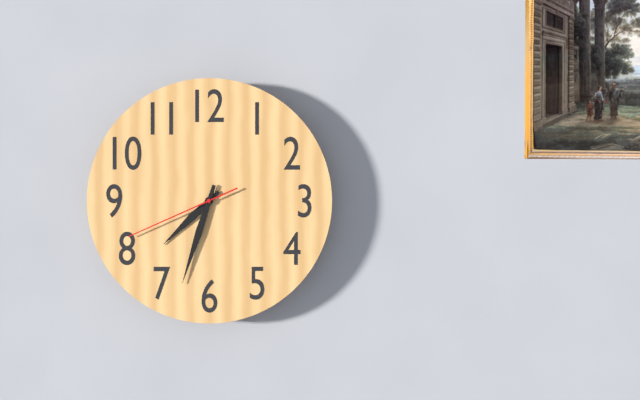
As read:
7,33,41
